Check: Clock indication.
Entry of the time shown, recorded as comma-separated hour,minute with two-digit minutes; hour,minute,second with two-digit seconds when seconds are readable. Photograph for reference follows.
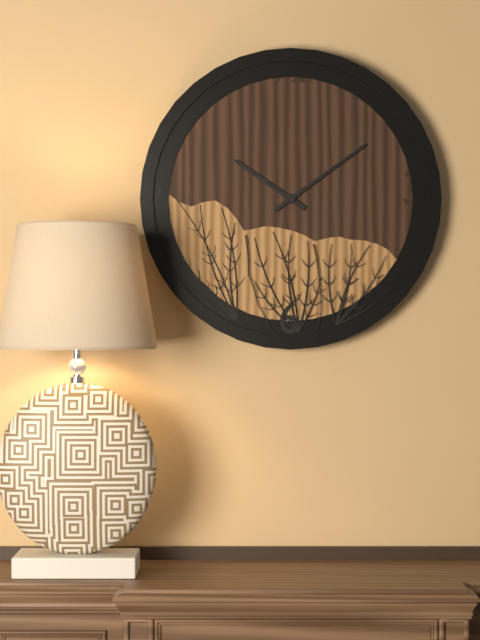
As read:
10,09
